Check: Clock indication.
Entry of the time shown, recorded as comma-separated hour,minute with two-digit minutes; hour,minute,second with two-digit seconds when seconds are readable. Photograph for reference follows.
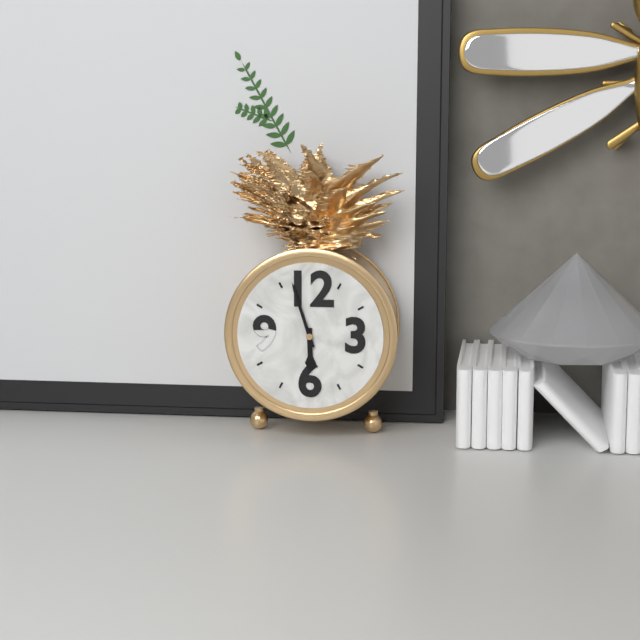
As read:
5,57
